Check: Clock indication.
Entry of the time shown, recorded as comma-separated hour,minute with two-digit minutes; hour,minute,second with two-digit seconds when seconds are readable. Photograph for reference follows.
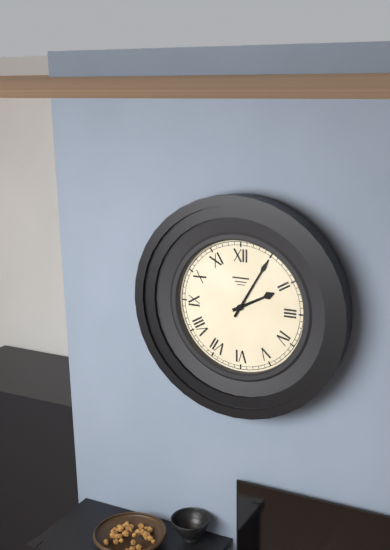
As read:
2,05
